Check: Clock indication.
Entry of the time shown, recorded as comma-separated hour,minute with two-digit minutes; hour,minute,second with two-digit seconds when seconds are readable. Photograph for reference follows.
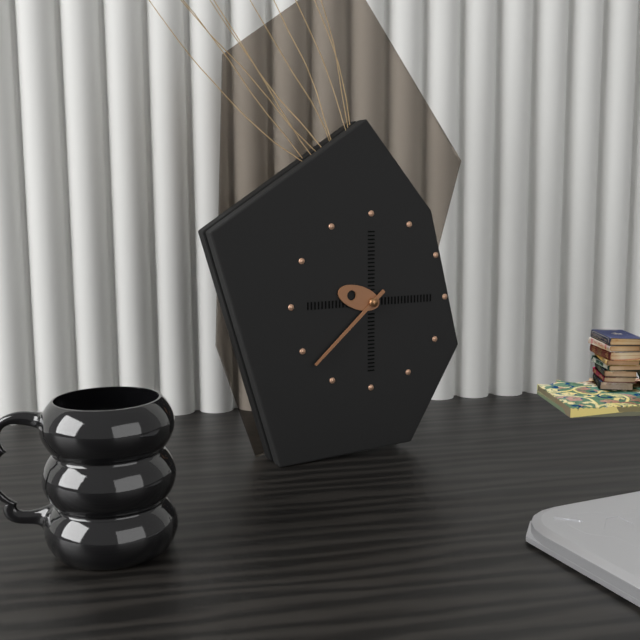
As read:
9,38
